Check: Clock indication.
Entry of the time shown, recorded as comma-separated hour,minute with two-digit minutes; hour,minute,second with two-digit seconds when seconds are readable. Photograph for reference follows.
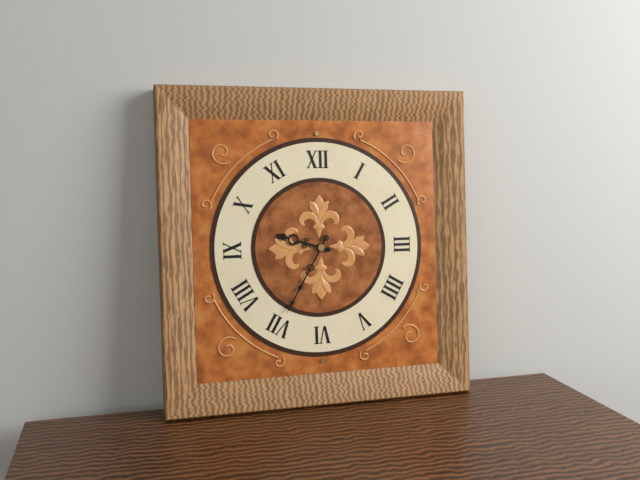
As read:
9,35
